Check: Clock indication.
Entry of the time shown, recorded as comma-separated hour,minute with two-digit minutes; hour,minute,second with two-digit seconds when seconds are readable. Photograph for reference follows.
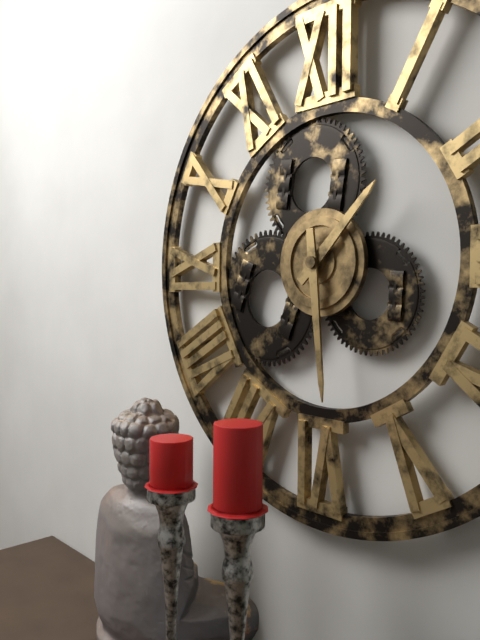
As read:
1,29
